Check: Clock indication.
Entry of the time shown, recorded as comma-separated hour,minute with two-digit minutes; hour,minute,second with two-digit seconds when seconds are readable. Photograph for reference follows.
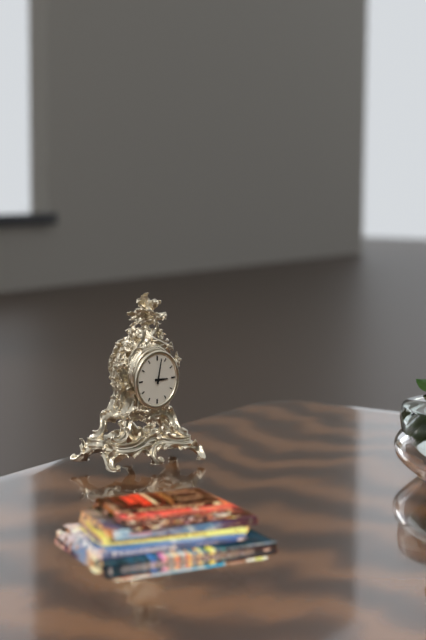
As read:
3,02
